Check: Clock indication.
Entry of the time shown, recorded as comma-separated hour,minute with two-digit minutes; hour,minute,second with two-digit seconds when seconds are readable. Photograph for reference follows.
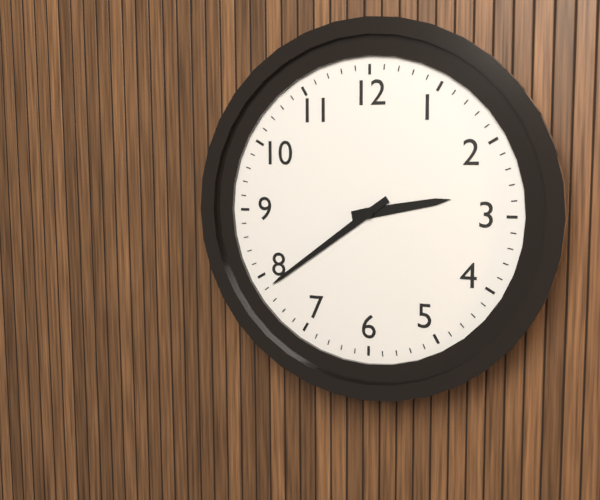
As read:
2,39
